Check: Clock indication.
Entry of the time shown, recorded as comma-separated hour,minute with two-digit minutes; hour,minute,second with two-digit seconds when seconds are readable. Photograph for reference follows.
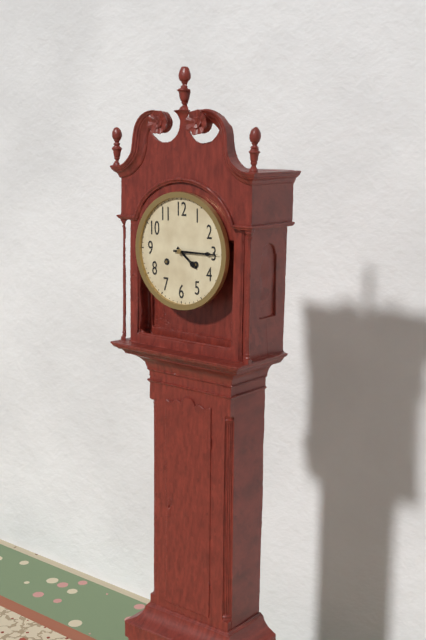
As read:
4,15
